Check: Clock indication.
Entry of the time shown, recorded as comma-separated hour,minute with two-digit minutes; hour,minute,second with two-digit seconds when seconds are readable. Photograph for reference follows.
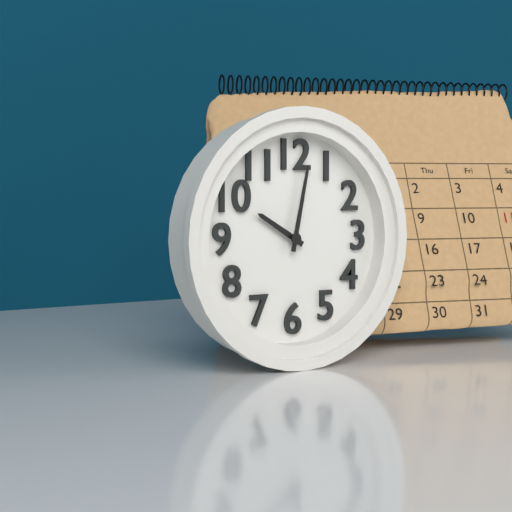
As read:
10,02
